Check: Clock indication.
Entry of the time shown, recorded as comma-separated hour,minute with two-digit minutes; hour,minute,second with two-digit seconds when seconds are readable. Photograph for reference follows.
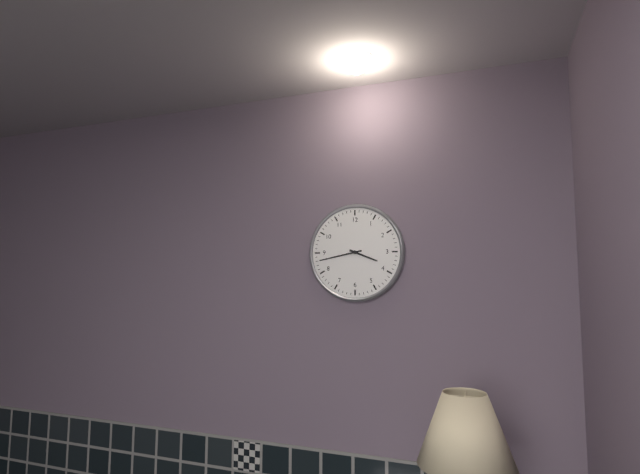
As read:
3,43
